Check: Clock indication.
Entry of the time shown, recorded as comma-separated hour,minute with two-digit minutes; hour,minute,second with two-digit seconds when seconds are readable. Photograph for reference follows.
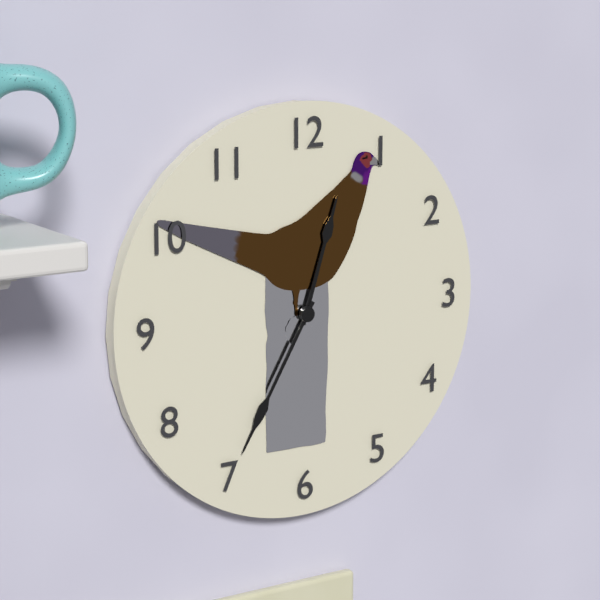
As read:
12,35
